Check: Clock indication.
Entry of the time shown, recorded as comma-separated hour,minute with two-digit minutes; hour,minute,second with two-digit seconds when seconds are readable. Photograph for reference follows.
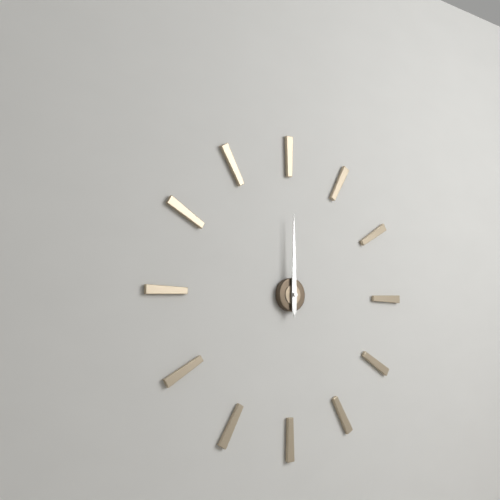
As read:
12,00
